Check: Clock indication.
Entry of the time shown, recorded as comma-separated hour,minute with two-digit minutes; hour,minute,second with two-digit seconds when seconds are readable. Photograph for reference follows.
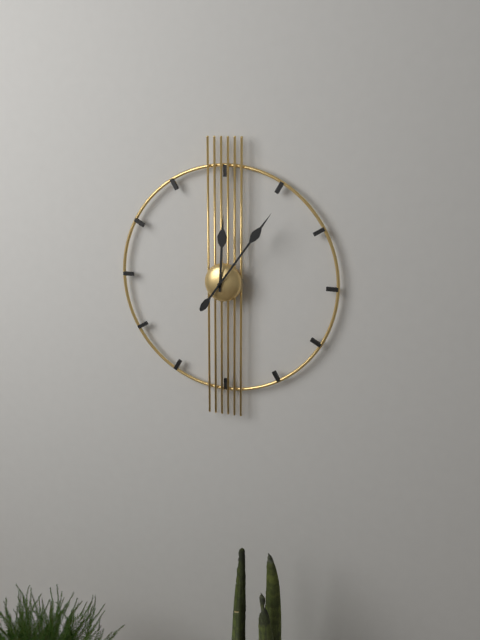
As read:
12,06
